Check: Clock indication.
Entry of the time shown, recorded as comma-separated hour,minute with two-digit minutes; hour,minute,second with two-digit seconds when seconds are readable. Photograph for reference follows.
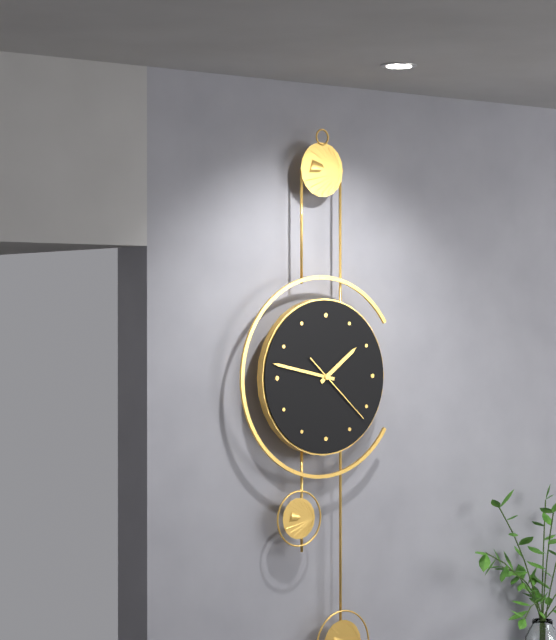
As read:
1,47,22
